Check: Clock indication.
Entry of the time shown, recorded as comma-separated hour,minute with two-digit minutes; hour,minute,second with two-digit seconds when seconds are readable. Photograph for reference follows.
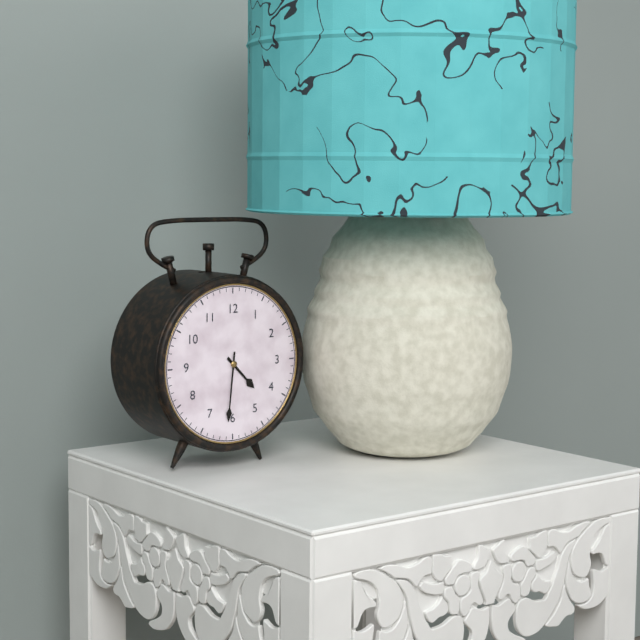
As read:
4,31
